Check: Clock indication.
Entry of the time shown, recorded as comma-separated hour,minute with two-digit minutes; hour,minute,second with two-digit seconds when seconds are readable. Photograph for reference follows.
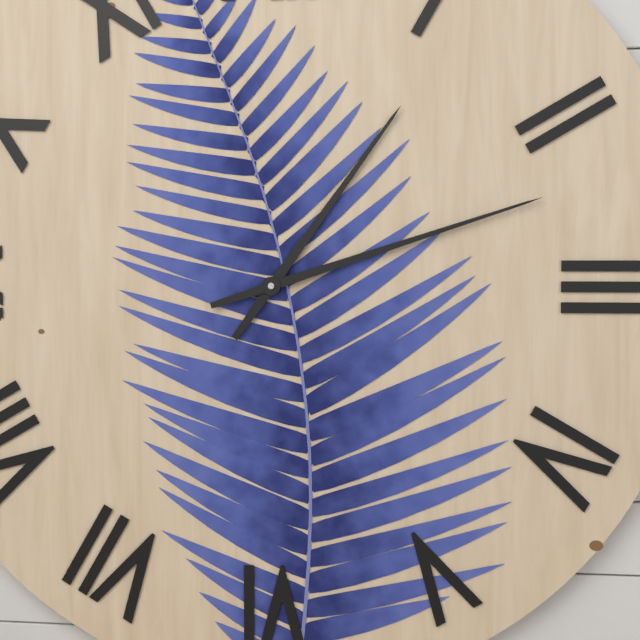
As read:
1,12
